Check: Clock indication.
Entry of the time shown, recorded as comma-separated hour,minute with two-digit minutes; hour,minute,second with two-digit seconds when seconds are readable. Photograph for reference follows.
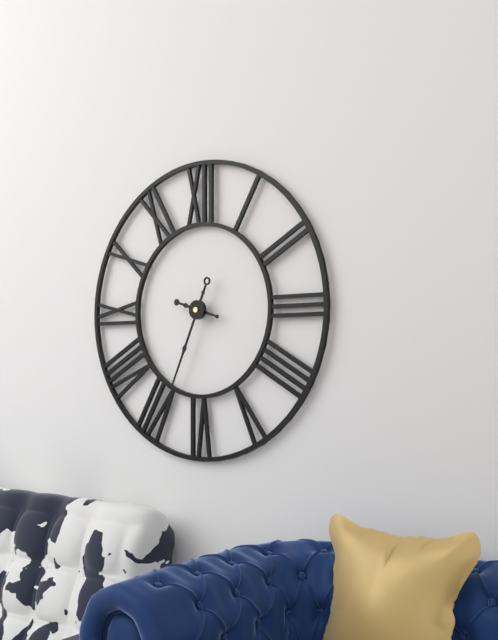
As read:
9,34
